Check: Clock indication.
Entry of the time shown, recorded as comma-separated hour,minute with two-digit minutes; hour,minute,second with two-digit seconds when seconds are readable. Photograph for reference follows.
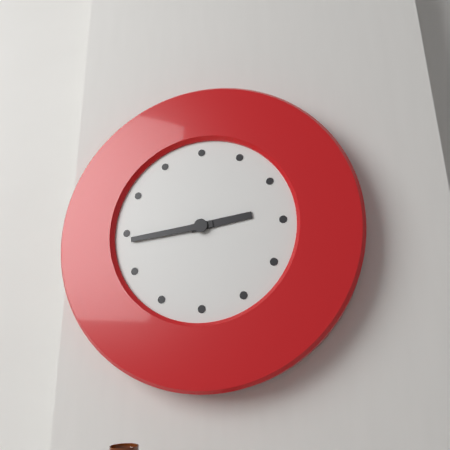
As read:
2,44
